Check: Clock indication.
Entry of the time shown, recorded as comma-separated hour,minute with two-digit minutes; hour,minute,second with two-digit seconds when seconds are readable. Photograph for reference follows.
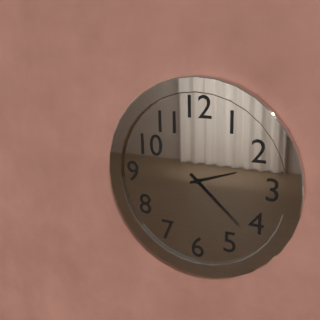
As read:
2,22
